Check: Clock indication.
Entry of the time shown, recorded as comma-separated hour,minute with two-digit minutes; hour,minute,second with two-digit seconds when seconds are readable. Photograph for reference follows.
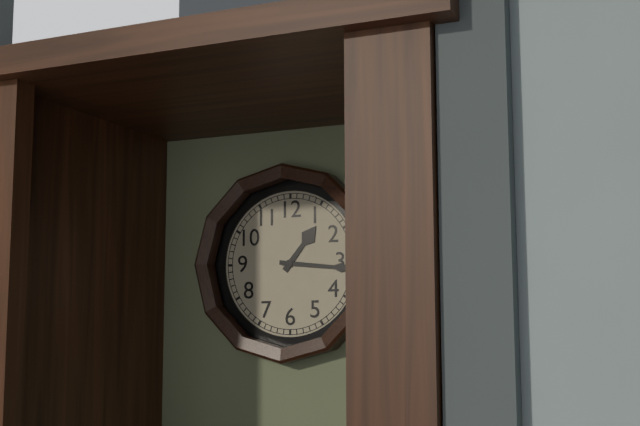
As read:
1,16
